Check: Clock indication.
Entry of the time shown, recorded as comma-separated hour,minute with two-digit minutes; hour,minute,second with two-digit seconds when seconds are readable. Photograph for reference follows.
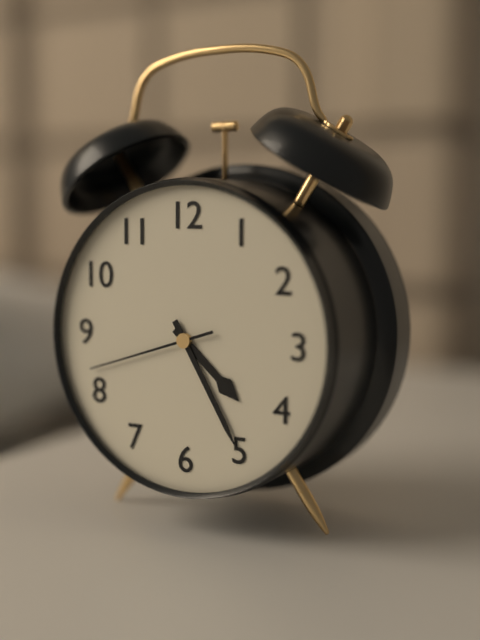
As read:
4,25,42
